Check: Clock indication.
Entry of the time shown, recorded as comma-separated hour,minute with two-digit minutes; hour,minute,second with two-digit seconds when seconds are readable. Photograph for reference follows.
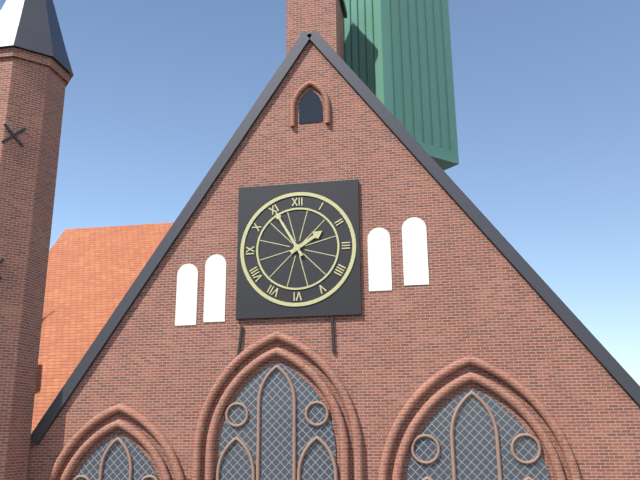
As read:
1,55
